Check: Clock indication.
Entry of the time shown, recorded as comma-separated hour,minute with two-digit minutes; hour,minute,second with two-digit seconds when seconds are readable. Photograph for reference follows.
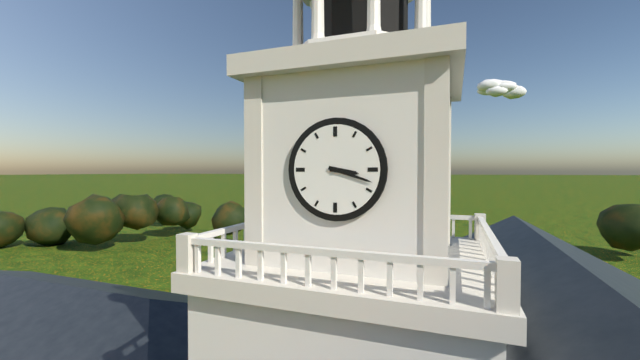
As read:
3,18
